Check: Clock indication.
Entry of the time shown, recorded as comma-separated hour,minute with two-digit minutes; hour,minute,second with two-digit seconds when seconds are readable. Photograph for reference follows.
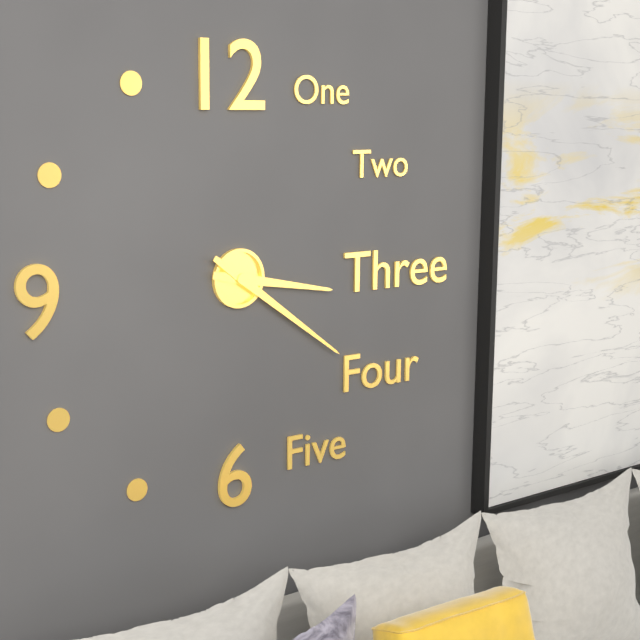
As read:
3,21
